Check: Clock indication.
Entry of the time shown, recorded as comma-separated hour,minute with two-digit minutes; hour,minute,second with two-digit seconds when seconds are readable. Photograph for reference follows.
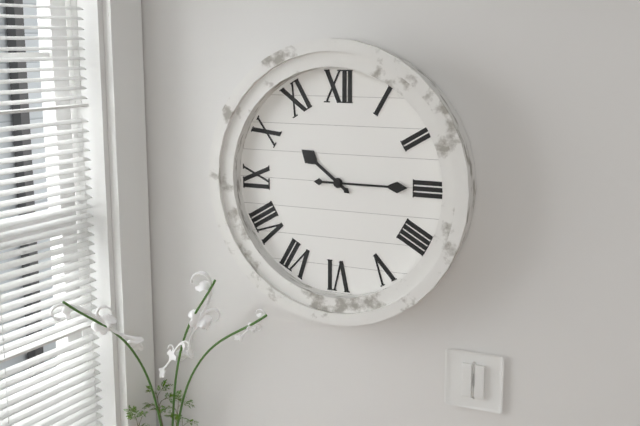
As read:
10,15
